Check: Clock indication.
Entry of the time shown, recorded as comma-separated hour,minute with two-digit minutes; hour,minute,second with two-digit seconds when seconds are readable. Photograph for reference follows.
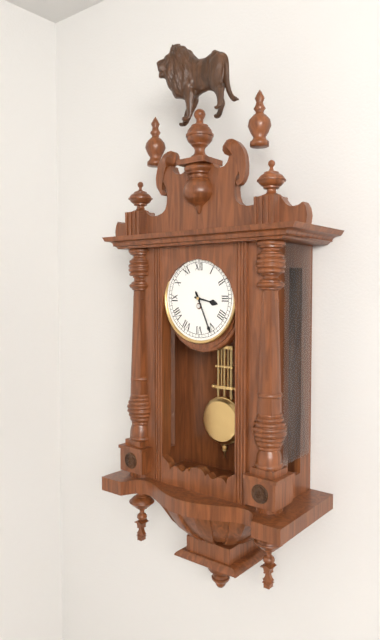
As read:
3,26
